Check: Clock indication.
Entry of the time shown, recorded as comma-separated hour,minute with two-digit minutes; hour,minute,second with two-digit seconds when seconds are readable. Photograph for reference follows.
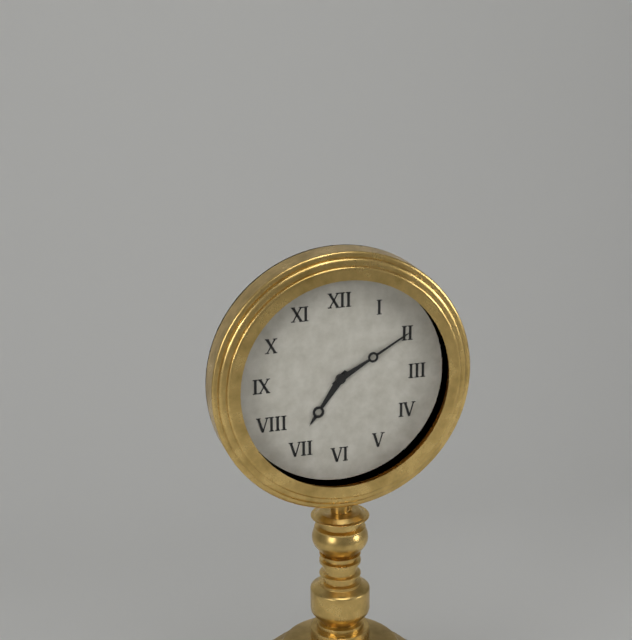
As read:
7,10
